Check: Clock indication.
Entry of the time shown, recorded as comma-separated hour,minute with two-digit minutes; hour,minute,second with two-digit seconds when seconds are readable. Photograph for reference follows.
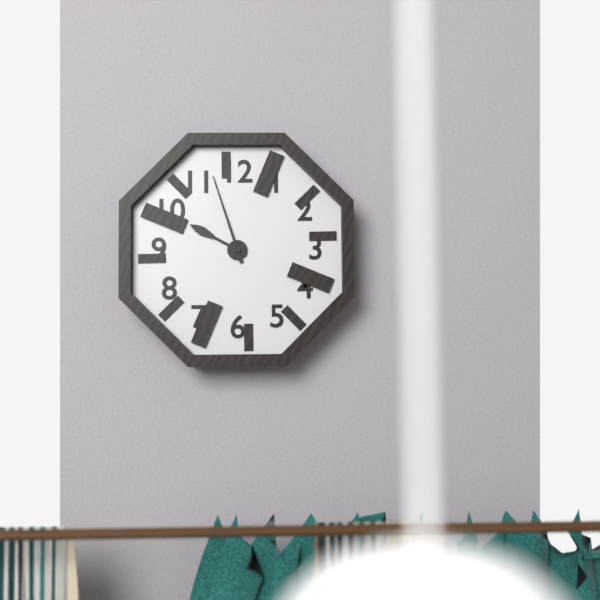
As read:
9,57
